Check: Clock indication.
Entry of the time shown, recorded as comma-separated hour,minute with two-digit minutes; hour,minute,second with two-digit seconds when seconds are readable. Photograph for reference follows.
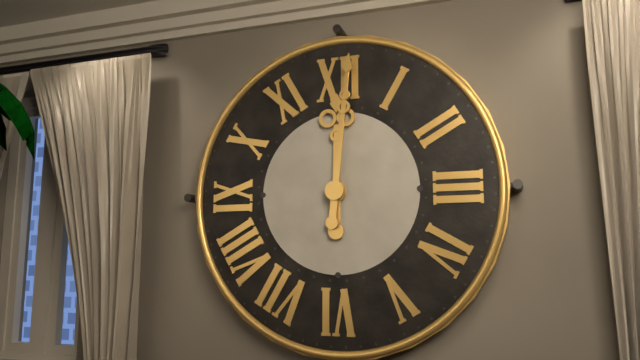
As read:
12,01
